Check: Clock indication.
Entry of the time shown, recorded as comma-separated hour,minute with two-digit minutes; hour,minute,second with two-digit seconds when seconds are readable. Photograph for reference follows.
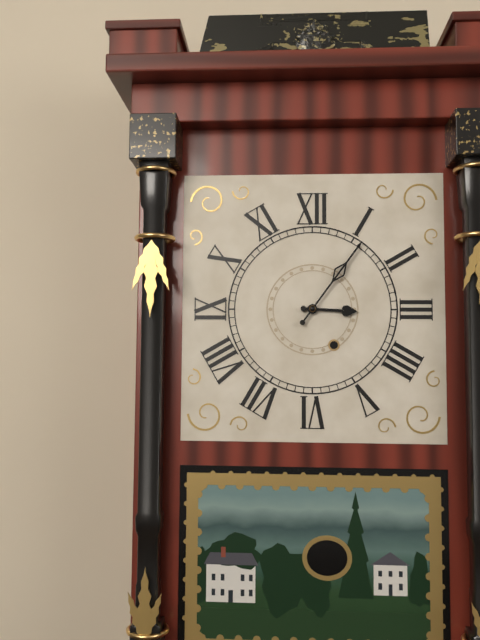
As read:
3,06
